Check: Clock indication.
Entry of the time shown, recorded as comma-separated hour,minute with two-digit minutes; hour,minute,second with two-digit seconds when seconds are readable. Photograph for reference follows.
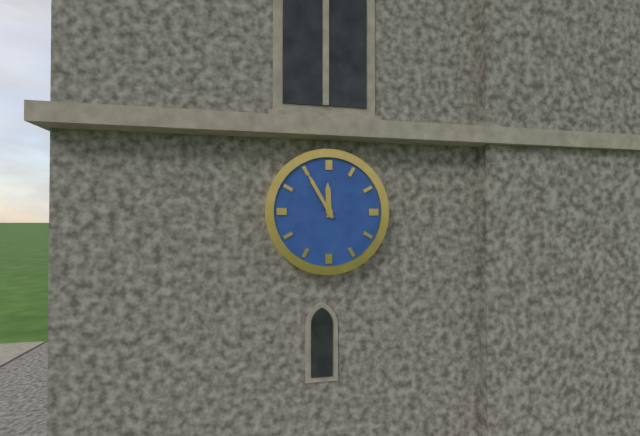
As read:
11,55
